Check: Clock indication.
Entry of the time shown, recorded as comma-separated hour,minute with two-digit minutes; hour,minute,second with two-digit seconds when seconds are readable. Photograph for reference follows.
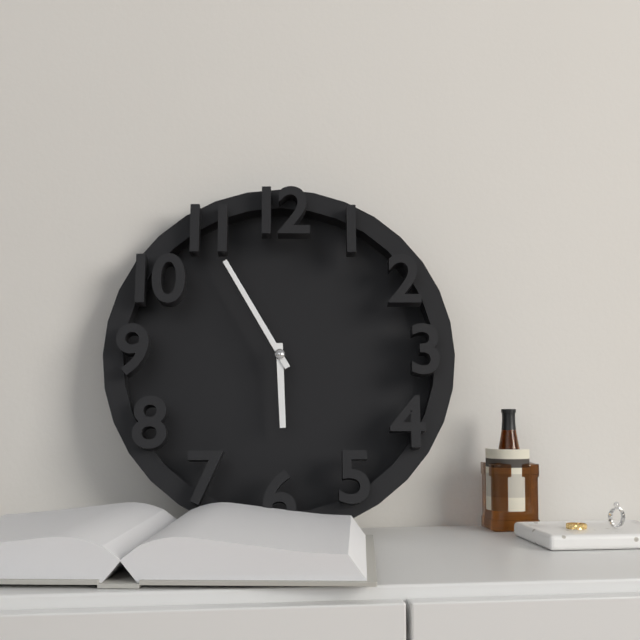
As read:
5,55
